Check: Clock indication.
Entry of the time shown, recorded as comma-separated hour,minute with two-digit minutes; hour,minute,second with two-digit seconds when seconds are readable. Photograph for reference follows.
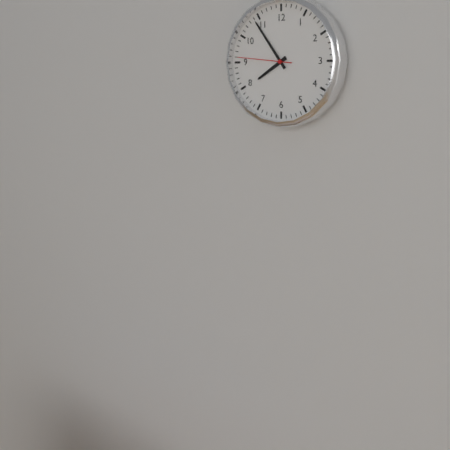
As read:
7,54,46
